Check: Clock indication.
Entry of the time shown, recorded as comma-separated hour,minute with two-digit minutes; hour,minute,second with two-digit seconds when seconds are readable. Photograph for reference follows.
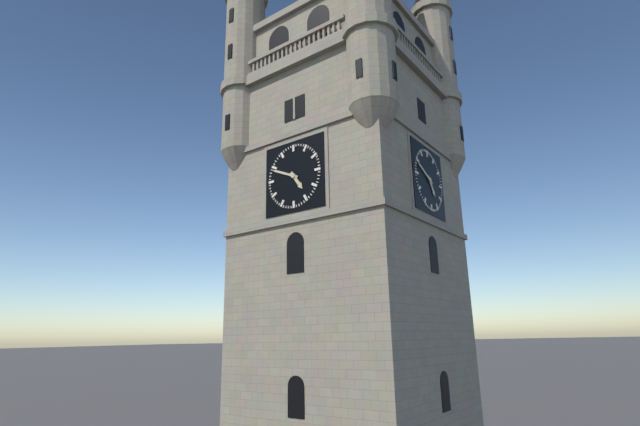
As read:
4,49
